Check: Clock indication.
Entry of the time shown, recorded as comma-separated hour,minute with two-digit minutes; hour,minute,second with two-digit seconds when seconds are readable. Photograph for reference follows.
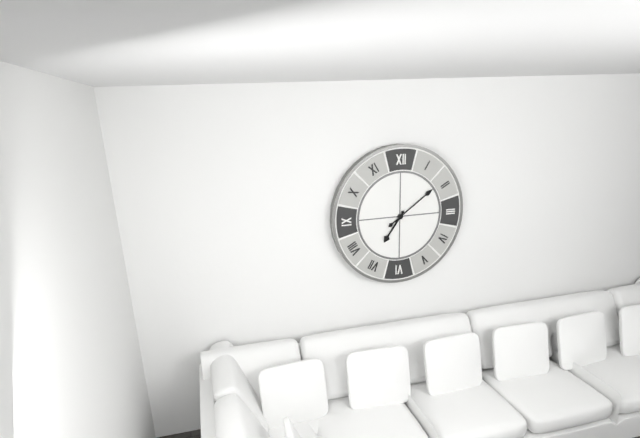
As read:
7,09
